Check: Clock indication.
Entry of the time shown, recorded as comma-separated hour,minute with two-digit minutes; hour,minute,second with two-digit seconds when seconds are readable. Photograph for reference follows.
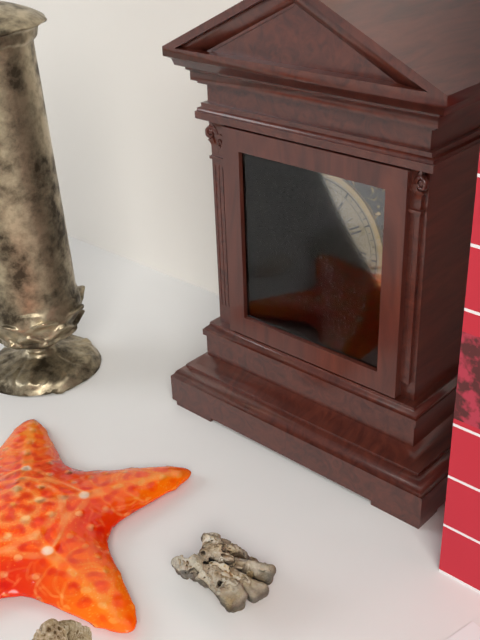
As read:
5,50,08
